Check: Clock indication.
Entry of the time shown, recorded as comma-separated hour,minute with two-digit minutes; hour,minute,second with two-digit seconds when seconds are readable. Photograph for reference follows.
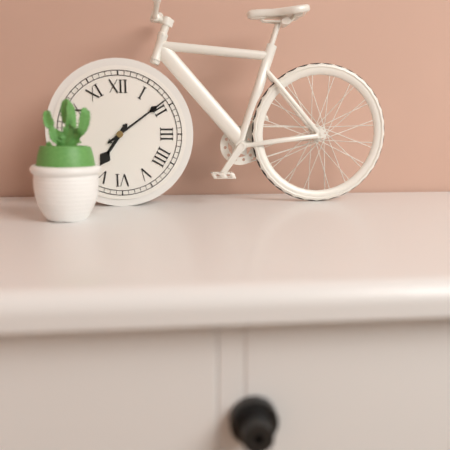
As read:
7,09
